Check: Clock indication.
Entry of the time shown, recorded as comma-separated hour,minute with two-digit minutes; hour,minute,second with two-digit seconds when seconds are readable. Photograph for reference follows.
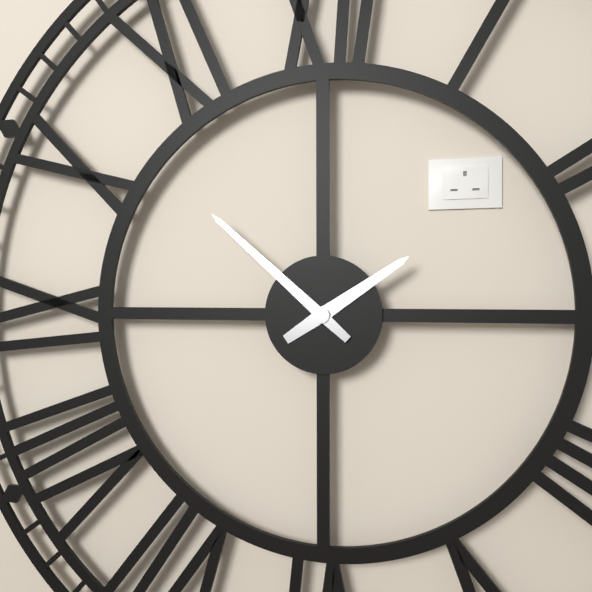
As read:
1,52
